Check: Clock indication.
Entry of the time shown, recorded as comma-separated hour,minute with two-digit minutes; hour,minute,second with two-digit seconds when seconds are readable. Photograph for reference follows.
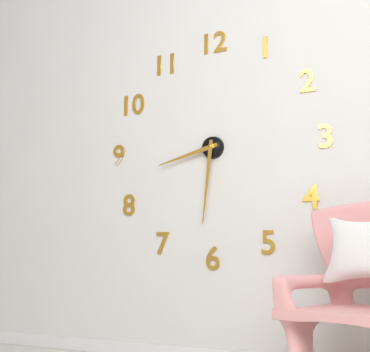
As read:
8,31
